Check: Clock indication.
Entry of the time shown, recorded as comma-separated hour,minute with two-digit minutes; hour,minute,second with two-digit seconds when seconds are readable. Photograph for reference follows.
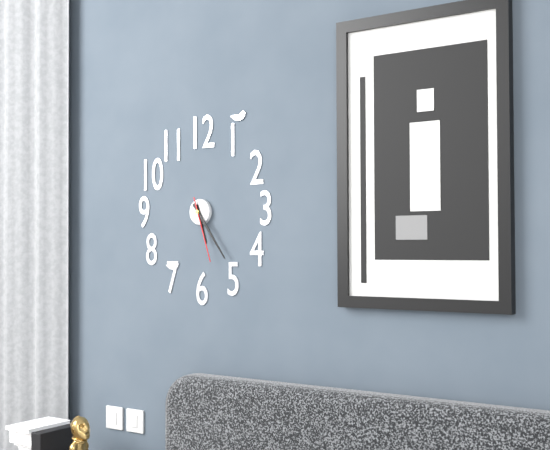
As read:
5,24,27
